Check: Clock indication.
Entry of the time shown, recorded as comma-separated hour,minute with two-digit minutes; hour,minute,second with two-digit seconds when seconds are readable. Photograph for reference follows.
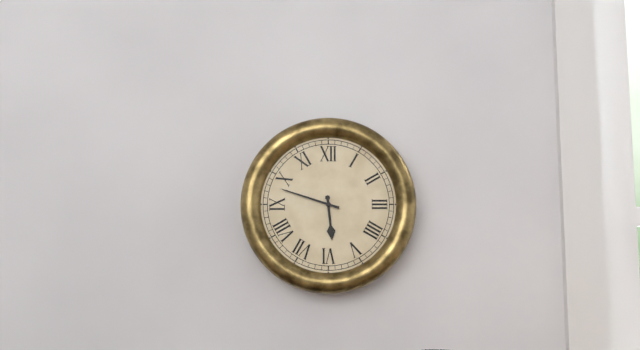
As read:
5,48
